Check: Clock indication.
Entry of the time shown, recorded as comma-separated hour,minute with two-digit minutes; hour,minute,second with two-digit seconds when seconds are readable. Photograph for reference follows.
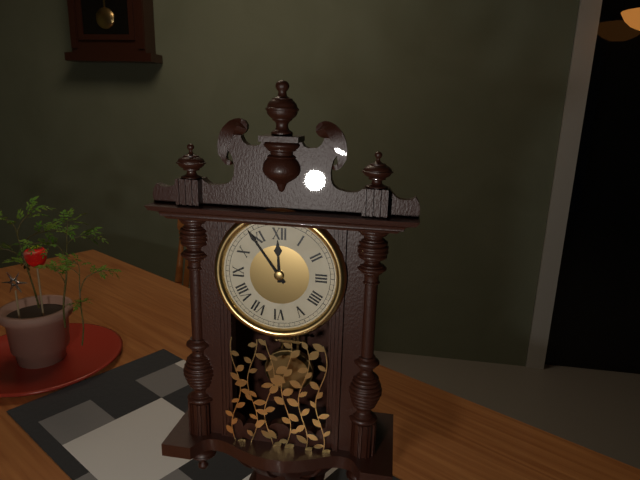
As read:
11,54
